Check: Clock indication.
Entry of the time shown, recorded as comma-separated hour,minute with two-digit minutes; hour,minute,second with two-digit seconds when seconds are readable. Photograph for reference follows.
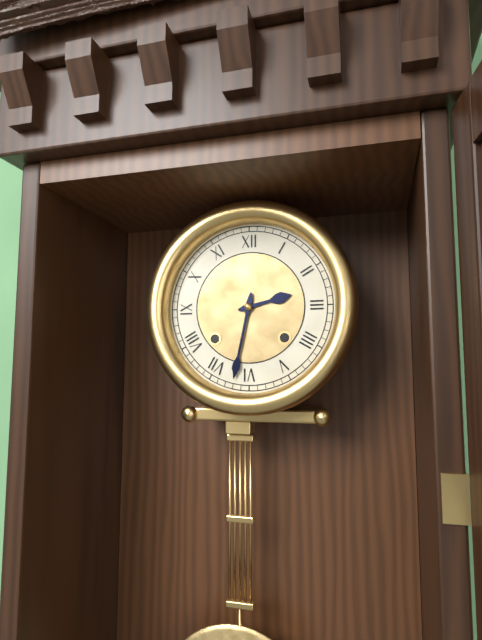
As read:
2,32
